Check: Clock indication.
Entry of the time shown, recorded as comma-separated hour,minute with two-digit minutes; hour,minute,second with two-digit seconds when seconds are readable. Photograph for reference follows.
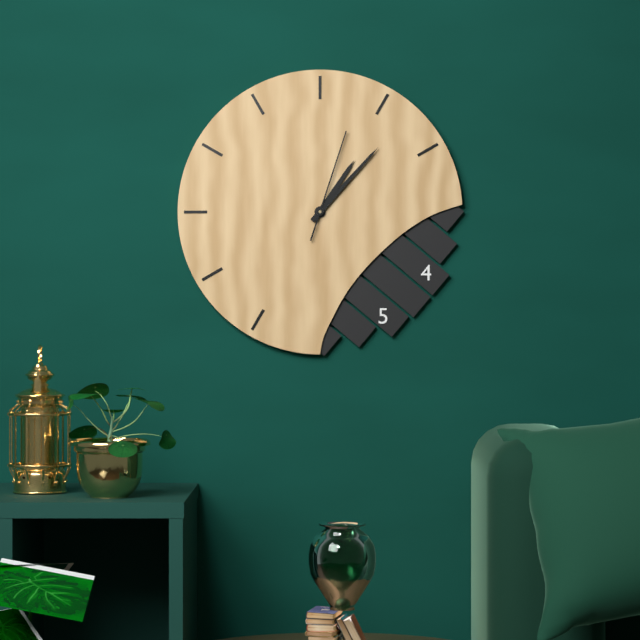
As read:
1,07,03
